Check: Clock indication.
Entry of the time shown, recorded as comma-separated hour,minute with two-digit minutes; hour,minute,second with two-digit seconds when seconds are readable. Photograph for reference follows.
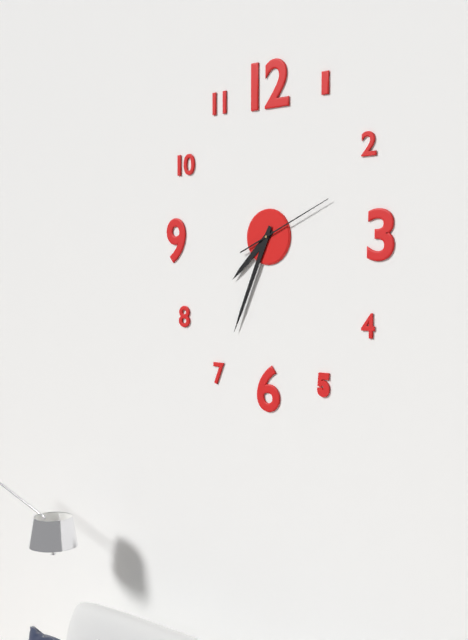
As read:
7,34,11
